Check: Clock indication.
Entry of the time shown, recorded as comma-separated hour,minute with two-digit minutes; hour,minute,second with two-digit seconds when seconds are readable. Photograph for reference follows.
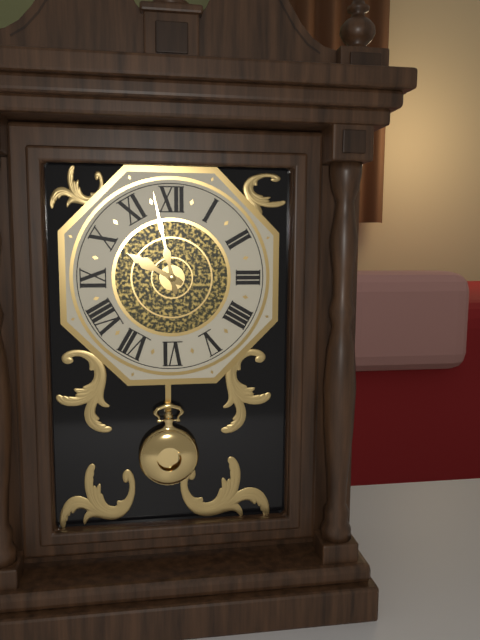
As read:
9,58
